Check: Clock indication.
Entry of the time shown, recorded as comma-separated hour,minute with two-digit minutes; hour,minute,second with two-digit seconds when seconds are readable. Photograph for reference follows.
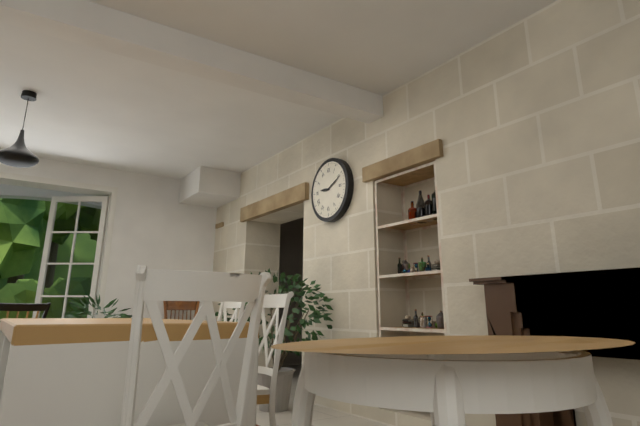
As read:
9,11
